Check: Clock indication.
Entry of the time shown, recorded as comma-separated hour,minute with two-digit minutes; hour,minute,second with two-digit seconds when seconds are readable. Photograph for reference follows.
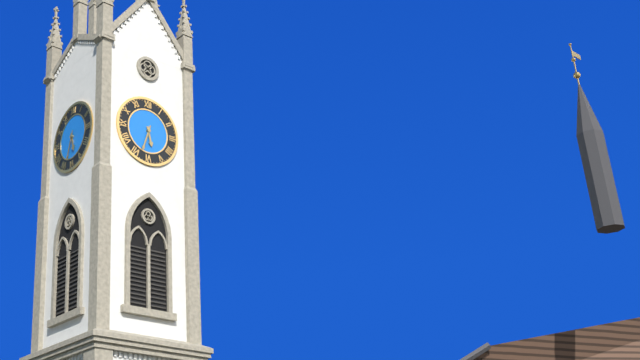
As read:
5,33
